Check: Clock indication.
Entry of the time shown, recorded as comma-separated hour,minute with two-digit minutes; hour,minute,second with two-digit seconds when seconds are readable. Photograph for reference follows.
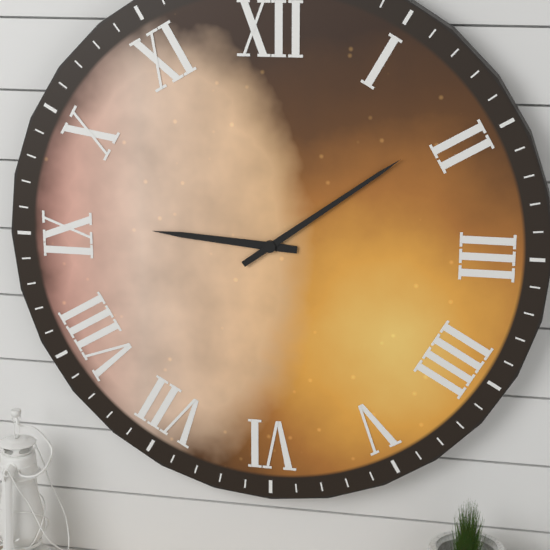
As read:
9,09
